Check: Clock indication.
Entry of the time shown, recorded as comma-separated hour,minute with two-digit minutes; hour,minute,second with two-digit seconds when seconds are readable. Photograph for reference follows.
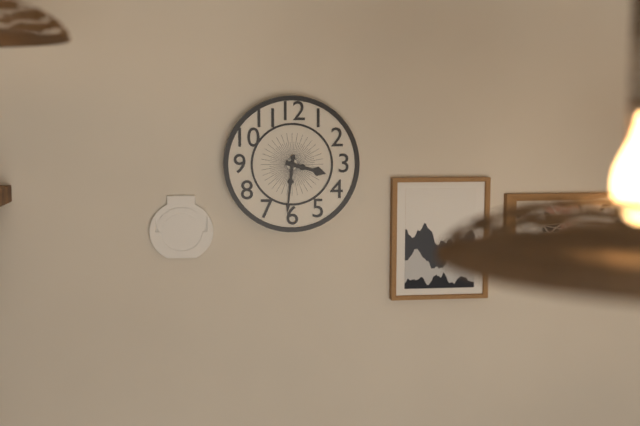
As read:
3,31
